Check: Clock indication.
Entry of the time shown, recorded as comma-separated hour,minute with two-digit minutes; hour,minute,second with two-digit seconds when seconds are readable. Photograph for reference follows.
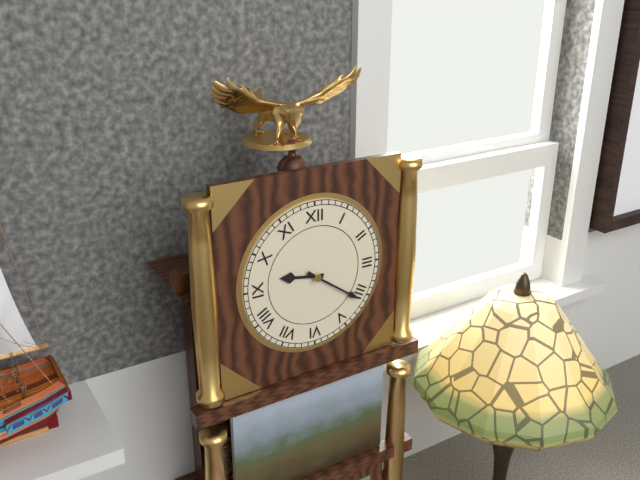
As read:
9,21
